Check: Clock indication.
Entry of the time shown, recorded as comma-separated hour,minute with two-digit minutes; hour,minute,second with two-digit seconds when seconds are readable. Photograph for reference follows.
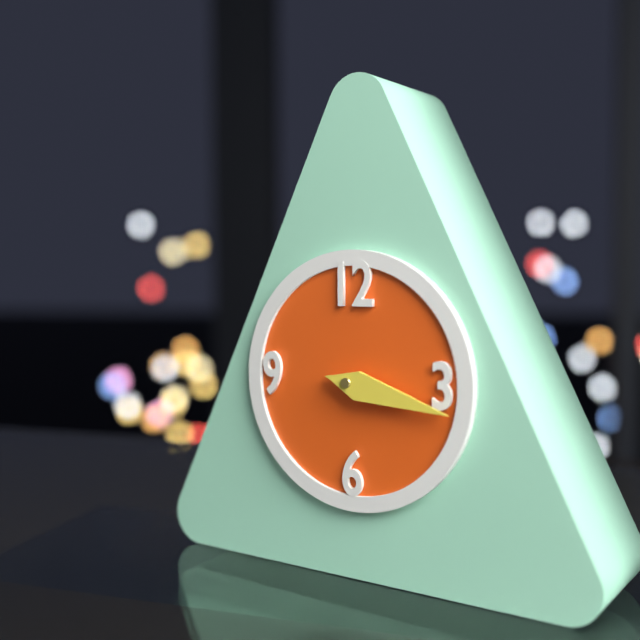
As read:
3,17
